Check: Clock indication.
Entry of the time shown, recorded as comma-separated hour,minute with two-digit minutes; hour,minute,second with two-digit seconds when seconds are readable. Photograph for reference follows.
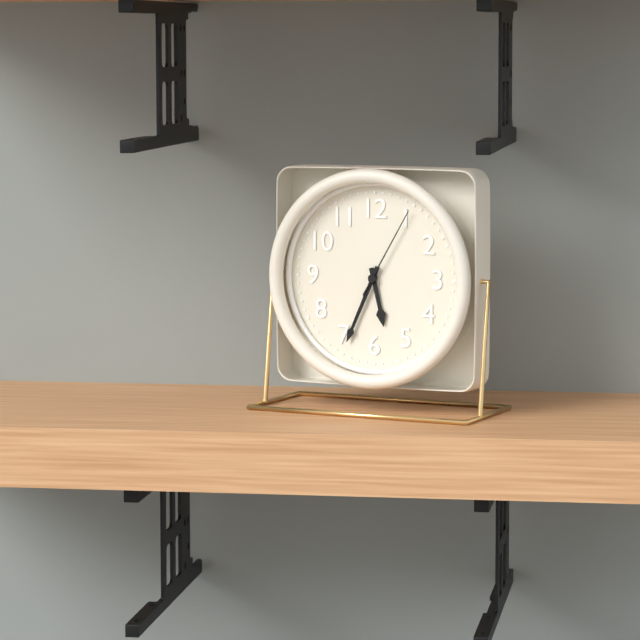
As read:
5,34,05
